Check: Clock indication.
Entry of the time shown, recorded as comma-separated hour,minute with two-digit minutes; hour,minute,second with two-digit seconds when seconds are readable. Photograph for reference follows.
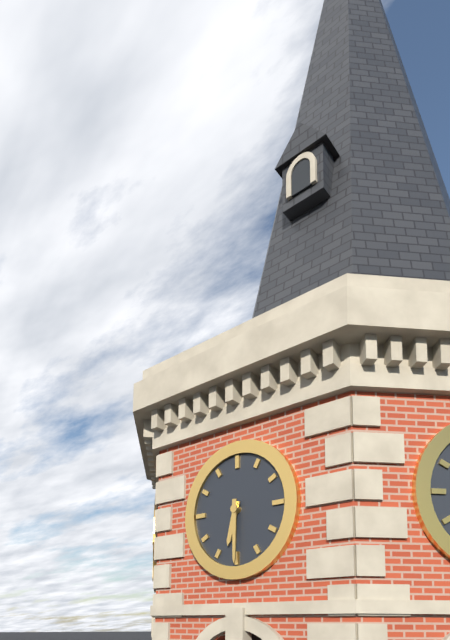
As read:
6,30
